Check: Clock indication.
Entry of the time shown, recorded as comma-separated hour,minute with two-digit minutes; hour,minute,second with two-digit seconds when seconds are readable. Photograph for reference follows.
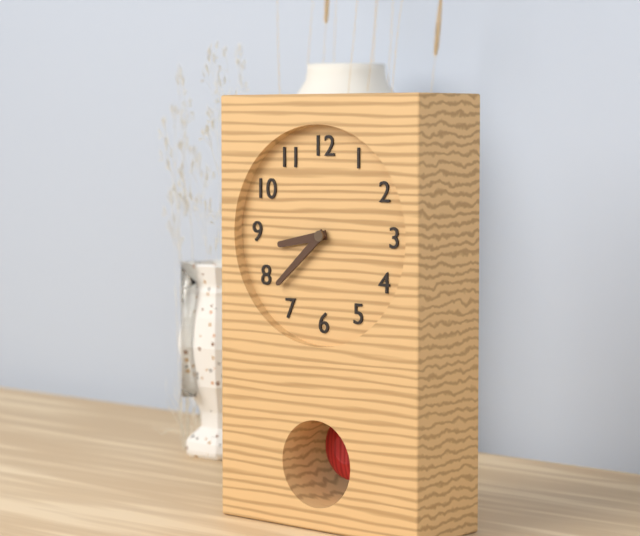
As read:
8,38
